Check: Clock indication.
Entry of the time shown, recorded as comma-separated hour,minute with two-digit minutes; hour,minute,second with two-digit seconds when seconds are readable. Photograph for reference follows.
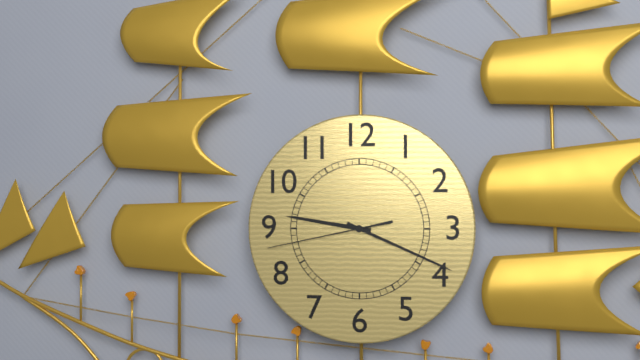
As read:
9,19,43
